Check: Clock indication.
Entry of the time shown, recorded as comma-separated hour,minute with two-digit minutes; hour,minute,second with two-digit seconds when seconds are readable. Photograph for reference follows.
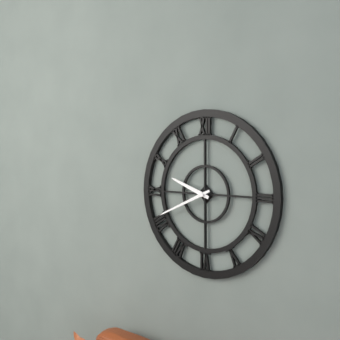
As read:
9,41
